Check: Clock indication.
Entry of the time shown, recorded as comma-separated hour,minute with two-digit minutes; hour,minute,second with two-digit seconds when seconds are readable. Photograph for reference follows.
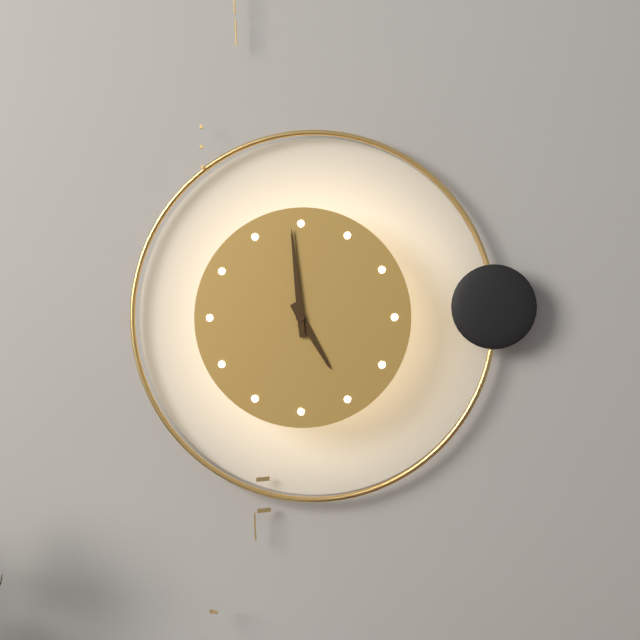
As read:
4,59
